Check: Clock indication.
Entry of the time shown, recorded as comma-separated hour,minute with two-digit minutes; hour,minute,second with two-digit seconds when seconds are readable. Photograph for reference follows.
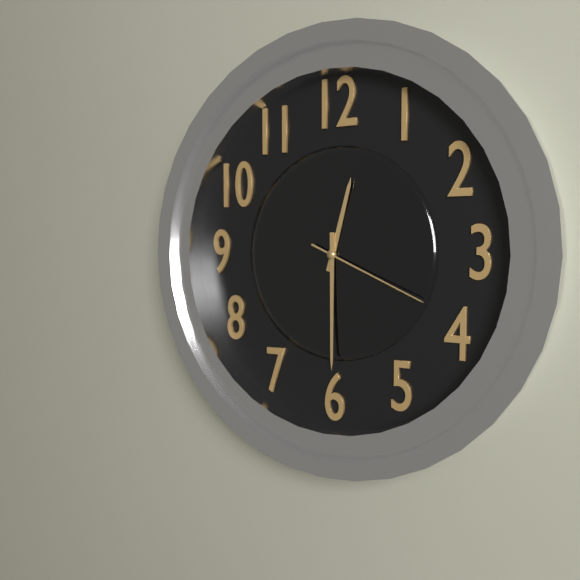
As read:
12,30,19
